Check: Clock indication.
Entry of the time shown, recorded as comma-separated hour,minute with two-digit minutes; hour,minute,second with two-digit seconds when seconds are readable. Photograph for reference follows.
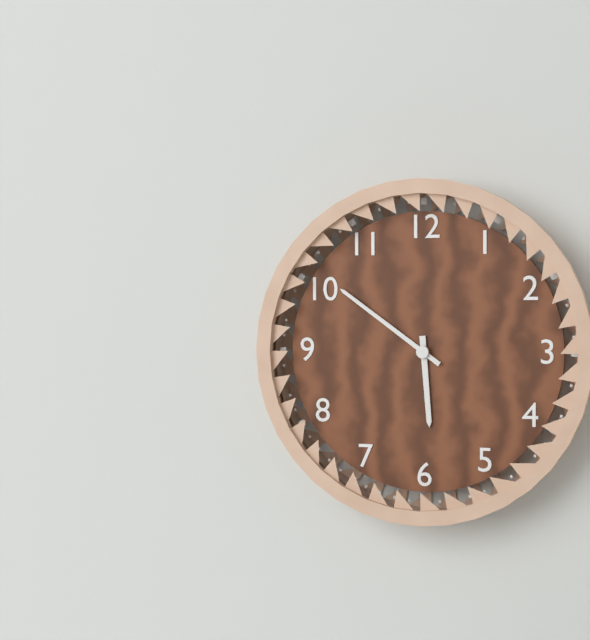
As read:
5,51
